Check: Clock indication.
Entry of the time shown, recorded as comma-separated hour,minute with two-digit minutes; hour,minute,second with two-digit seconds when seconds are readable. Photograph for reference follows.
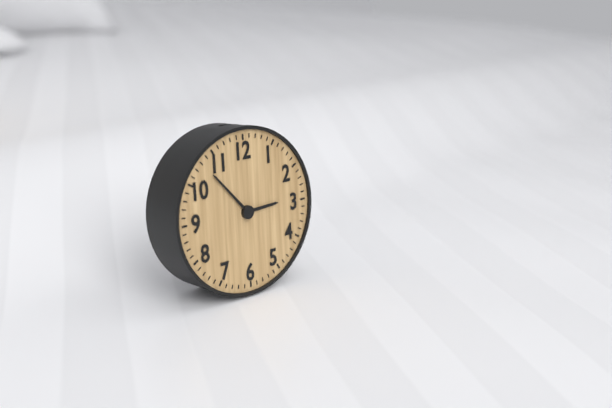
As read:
2,53
